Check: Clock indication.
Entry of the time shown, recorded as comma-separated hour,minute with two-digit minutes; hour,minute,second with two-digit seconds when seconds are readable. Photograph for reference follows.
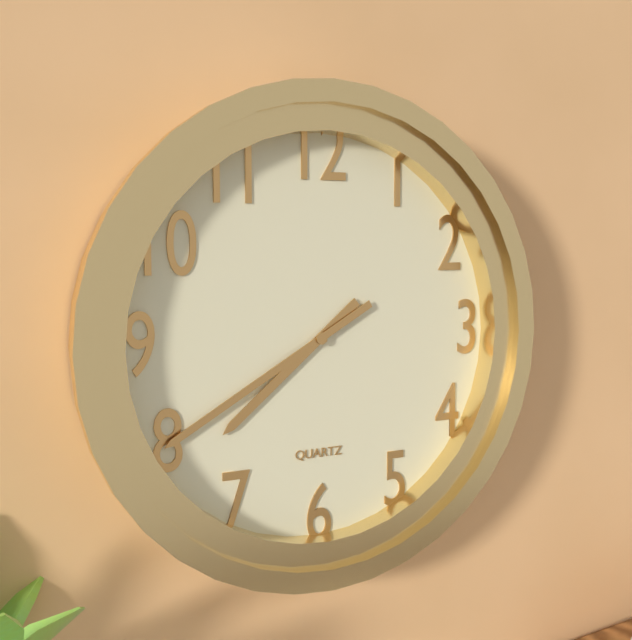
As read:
7,40
